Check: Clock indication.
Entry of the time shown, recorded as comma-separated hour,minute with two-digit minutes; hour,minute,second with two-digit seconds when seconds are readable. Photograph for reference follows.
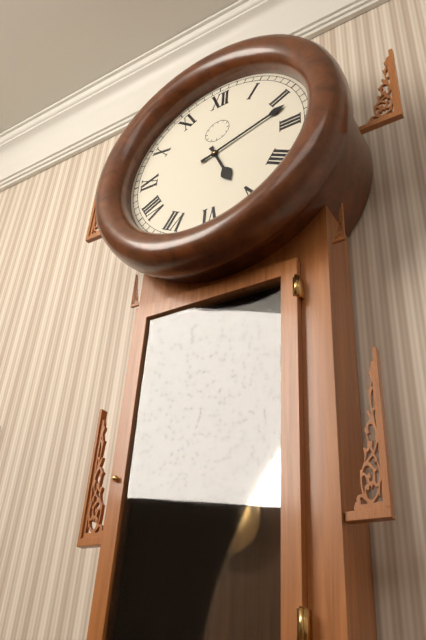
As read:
5,12
